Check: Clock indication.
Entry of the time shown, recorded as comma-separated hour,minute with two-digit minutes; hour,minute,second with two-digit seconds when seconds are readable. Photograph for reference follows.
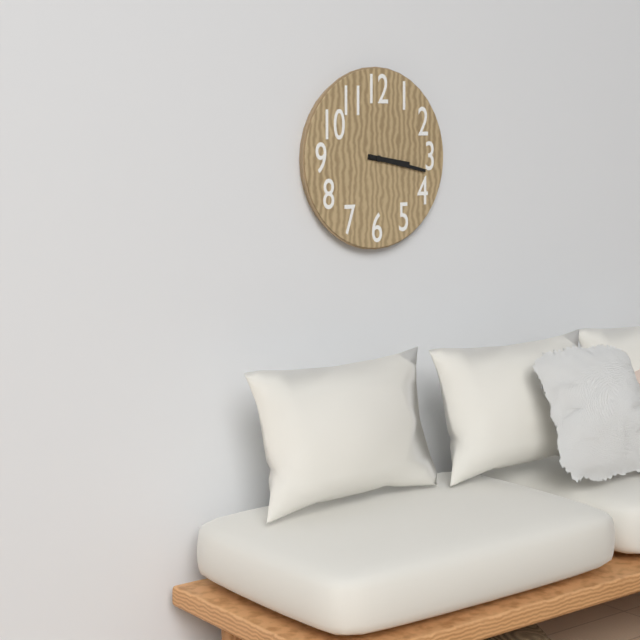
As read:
3,17
